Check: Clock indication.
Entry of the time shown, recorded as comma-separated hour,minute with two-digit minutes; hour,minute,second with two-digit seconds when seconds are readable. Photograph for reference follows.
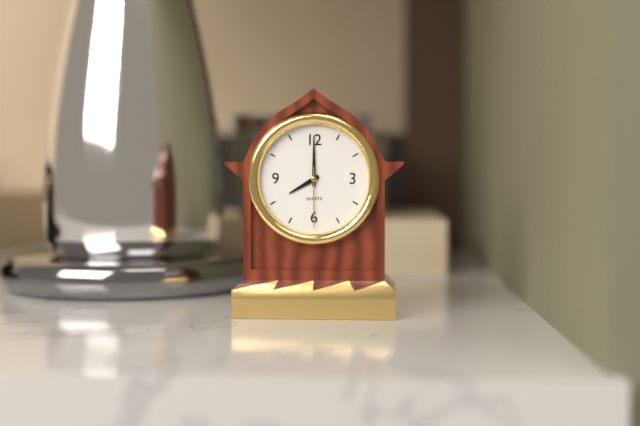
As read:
8,00,30
